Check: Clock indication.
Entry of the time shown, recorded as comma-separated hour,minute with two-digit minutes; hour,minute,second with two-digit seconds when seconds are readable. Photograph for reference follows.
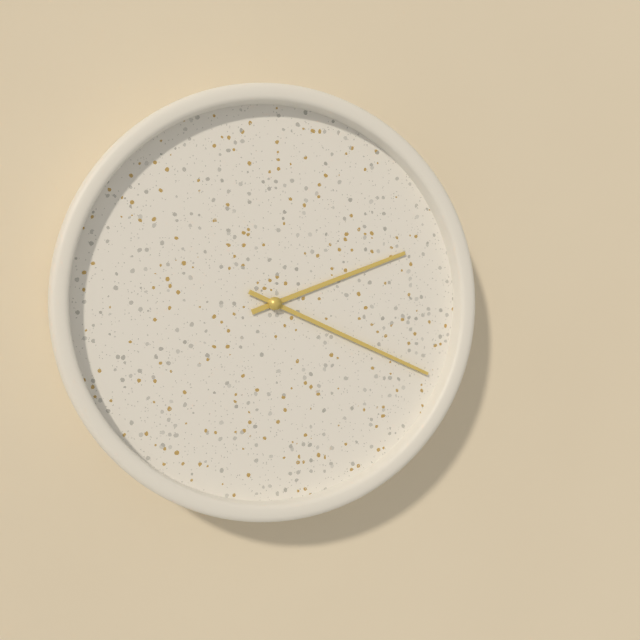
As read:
2,19
